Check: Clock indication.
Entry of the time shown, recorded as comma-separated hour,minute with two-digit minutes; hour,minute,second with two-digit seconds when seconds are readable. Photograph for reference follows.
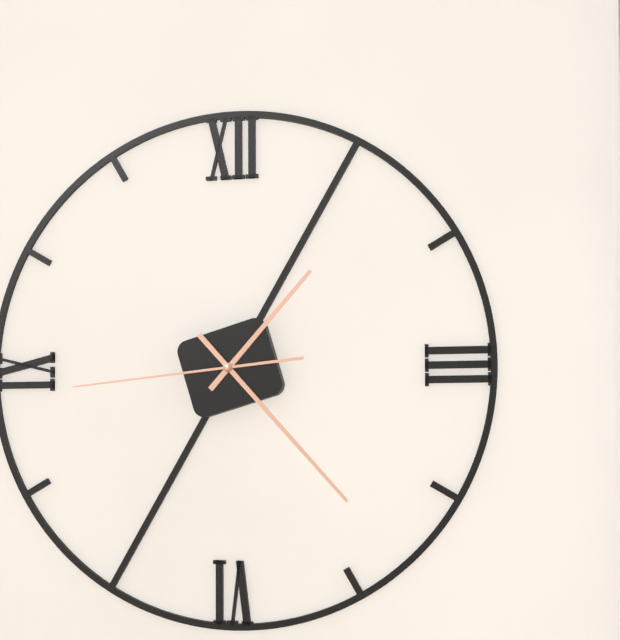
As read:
1,23,44
